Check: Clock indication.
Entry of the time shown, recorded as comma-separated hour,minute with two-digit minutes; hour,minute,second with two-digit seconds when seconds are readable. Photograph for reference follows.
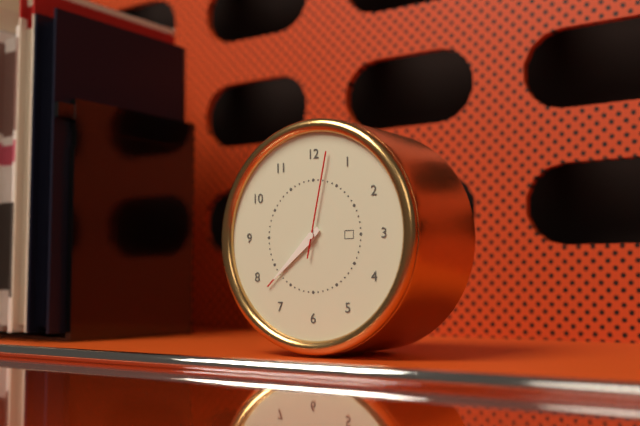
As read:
7,38,02
